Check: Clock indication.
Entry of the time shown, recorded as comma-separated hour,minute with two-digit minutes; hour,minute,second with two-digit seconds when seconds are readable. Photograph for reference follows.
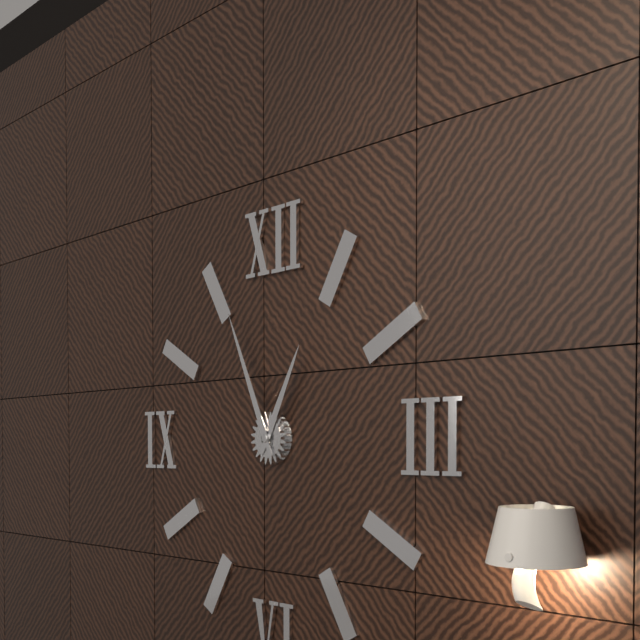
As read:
12,56
